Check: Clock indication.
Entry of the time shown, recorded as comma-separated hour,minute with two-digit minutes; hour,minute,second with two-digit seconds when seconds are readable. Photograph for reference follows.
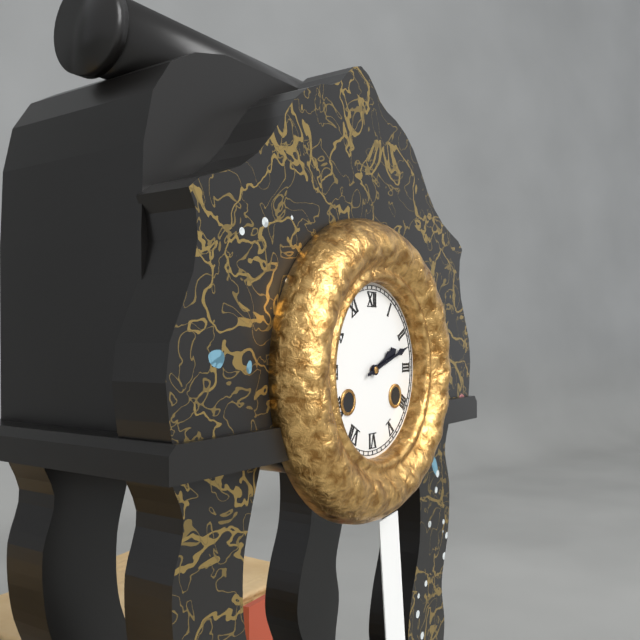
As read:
2,12
